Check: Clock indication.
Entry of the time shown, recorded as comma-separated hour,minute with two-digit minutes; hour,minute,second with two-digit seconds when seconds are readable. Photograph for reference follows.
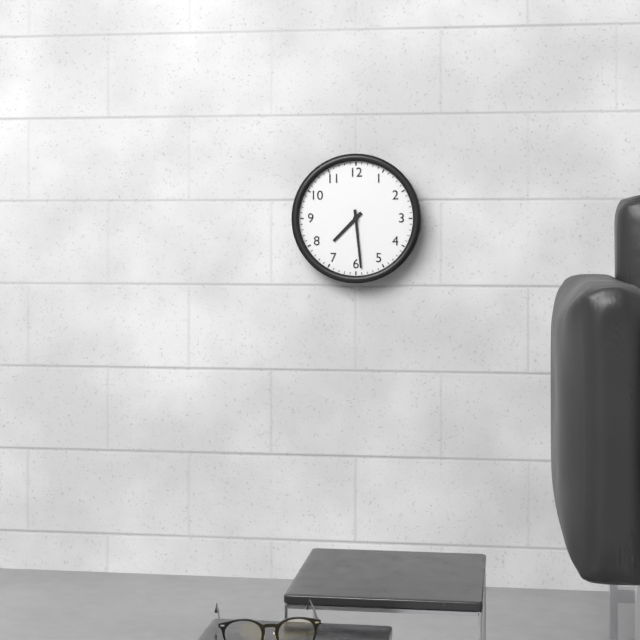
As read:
7,29
